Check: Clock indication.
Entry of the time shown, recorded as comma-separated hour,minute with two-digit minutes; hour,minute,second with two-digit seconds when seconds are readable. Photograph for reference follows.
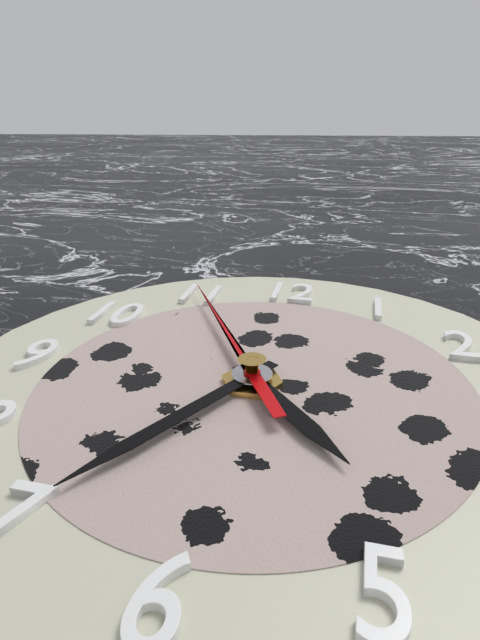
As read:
4,35,55
